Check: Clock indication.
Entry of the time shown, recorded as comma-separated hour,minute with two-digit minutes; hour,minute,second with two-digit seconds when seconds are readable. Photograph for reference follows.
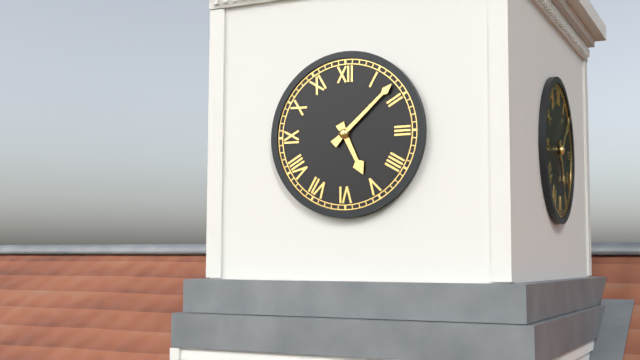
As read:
5,08
